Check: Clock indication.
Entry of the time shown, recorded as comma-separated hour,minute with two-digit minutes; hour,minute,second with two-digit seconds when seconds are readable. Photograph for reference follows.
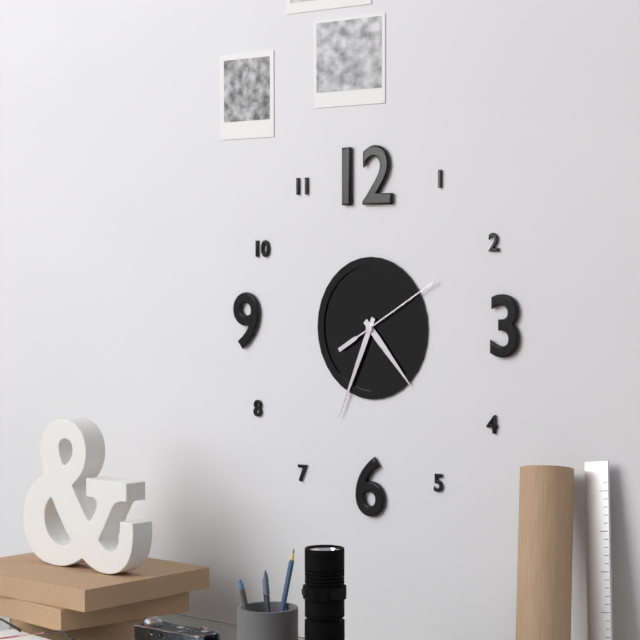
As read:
4,34,10
